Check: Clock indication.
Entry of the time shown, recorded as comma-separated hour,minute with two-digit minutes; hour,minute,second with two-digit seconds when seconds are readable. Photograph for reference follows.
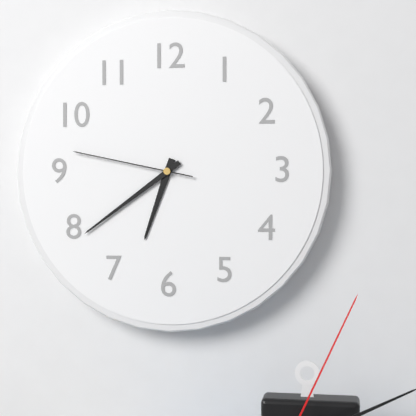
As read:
6,39,47
